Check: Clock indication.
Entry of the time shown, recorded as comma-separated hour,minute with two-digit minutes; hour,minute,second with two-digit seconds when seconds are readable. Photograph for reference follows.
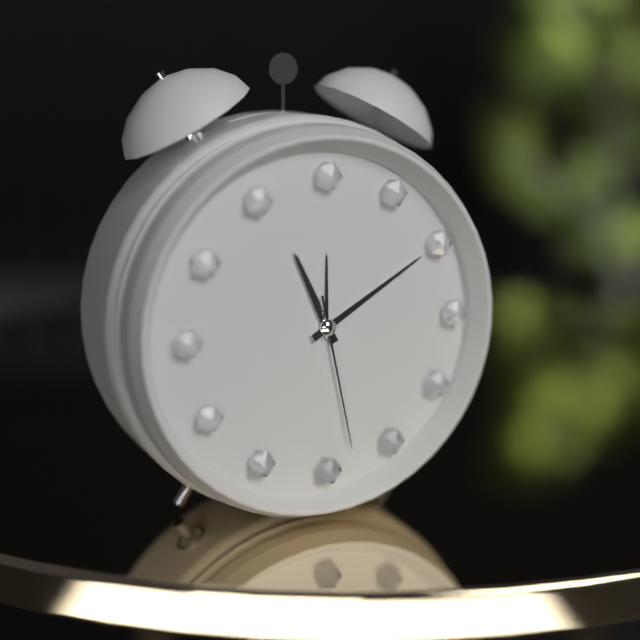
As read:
11,10,28
